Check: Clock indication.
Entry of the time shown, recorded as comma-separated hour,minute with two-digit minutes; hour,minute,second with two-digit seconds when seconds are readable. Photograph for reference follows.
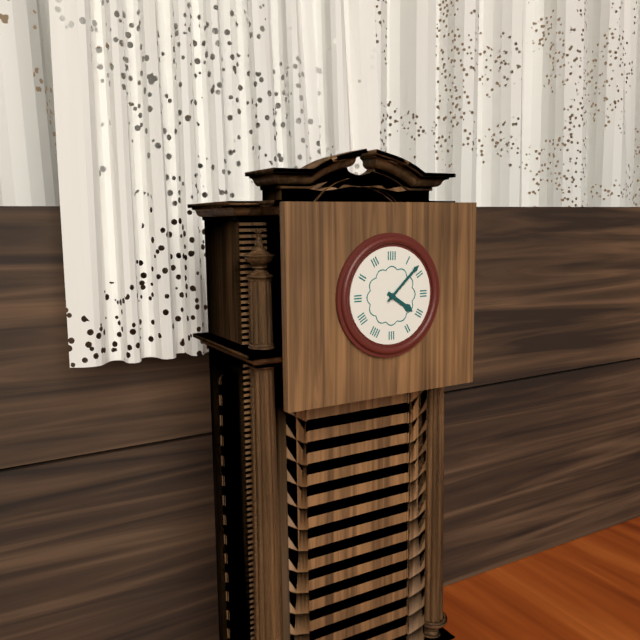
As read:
4,08
